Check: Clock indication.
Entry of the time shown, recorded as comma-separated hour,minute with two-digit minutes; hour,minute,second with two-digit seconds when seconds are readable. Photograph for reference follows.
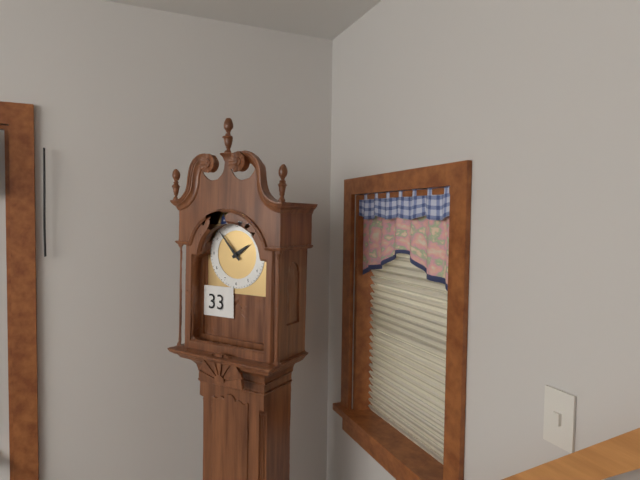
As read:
1,53
